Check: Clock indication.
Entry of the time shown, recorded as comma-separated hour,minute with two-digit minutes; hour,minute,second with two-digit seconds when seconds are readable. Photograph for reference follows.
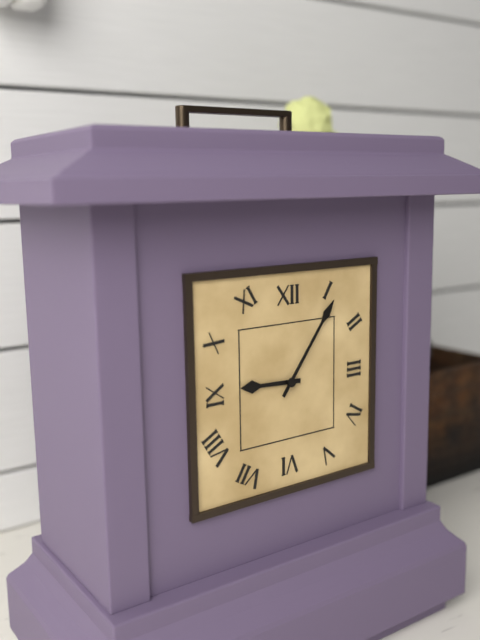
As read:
9,06
